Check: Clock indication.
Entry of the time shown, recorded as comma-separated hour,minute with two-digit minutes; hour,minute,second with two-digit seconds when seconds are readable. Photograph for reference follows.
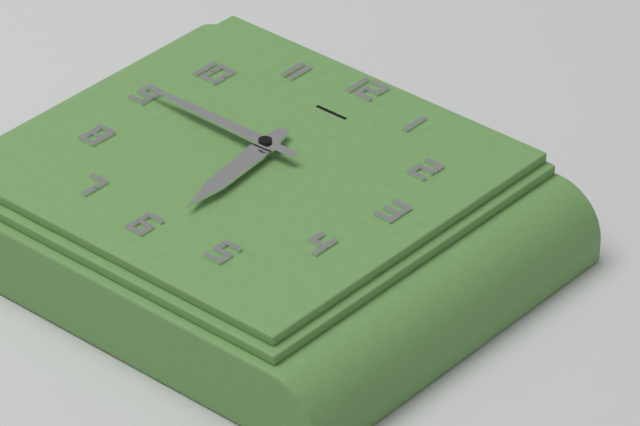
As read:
5,45
